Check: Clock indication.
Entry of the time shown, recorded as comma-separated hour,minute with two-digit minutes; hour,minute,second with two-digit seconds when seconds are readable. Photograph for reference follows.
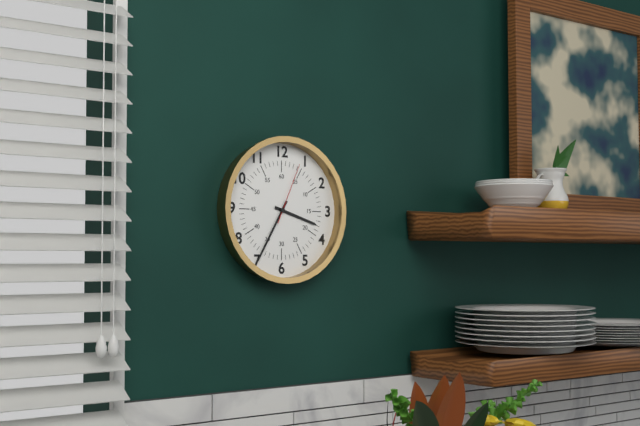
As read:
3,35,04
